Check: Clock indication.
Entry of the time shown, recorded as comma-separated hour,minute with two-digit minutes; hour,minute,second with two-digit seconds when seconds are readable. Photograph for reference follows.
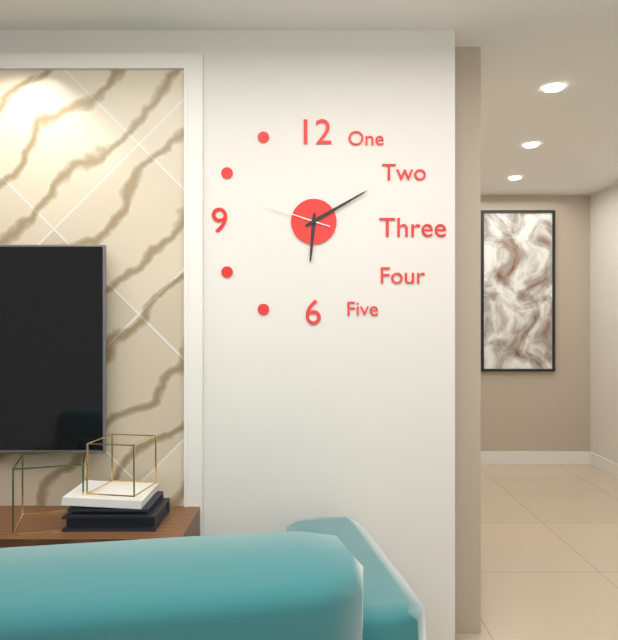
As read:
6,10,48
